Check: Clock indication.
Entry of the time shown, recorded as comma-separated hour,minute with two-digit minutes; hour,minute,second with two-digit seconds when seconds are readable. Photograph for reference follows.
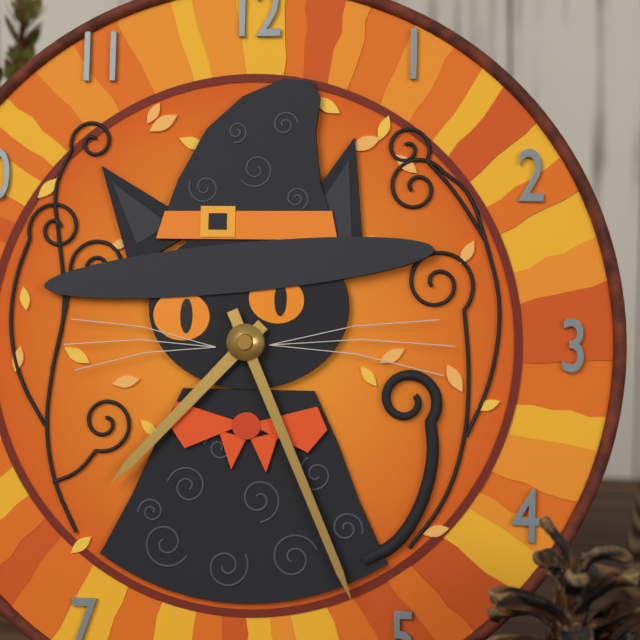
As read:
7,26
